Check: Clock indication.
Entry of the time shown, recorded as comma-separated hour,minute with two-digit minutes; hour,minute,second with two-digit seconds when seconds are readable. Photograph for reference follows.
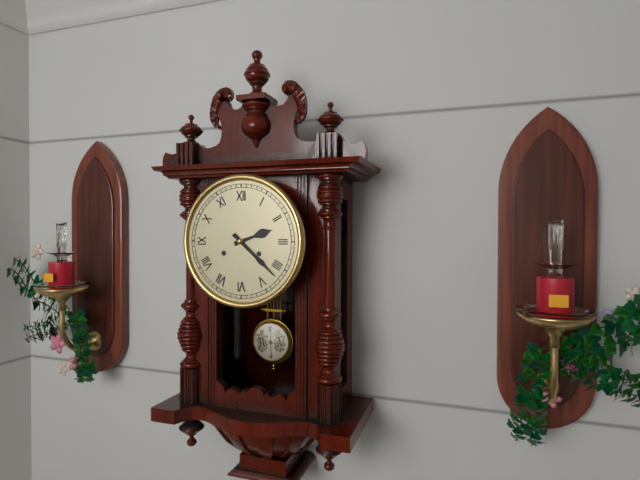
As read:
2,22
